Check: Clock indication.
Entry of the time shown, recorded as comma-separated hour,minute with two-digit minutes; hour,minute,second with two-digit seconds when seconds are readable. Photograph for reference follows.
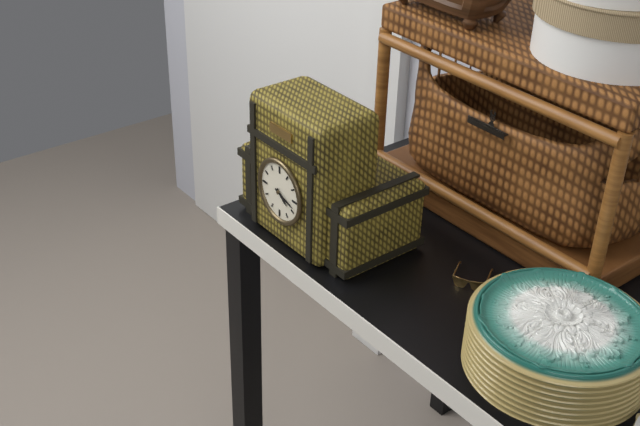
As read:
4,18
